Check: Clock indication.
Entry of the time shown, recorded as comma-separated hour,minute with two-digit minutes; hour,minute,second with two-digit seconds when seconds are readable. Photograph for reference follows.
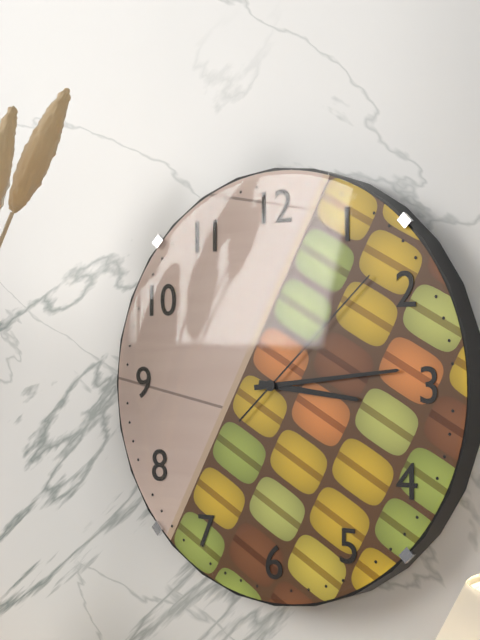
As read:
3,14,08
